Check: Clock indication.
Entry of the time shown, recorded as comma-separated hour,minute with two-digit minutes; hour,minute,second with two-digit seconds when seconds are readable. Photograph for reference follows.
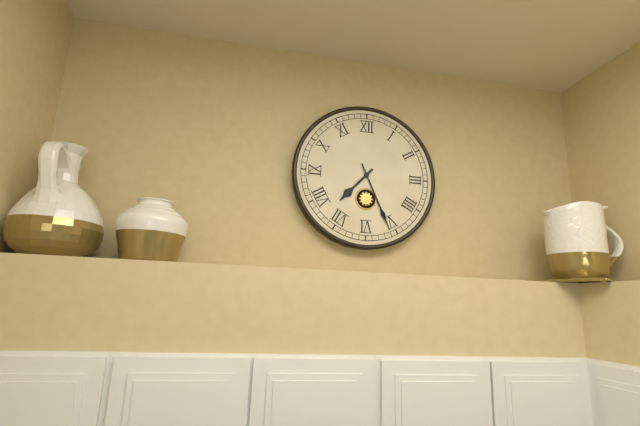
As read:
7,26
